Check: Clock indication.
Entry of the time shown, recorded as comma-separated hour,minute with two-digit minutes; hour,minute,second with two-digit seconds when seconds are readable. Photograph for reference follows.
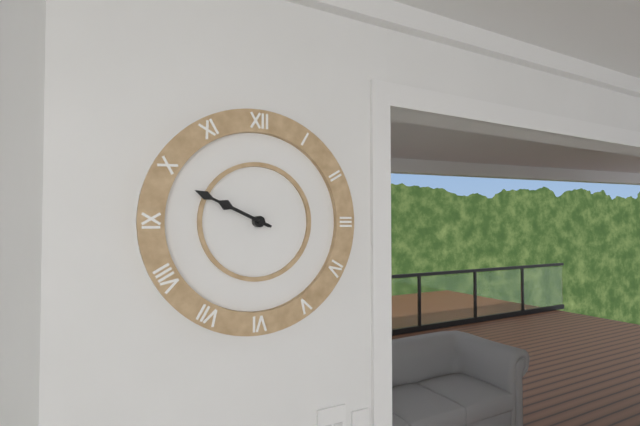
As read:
9,49
